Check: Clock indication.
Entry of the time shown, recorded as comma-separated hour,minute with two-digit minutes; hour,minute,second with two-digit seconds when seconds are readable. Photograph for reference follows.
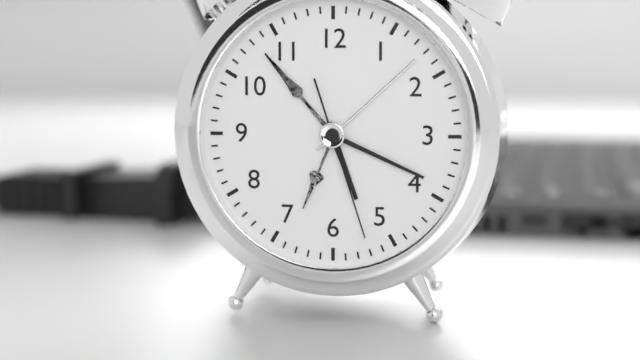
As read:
5,19,27
